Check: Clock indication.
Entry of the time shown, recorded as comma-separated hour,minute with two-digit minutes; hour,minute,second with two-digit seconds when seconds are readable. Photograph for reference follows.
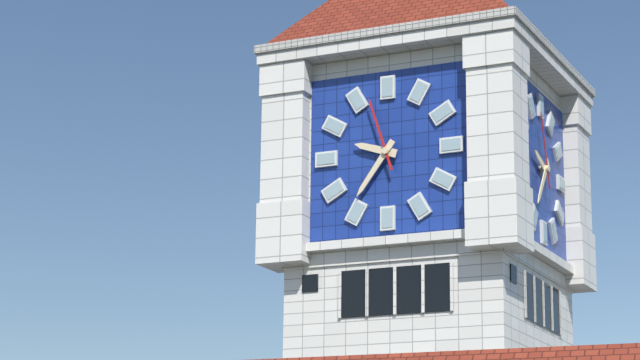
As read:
9,36,57
